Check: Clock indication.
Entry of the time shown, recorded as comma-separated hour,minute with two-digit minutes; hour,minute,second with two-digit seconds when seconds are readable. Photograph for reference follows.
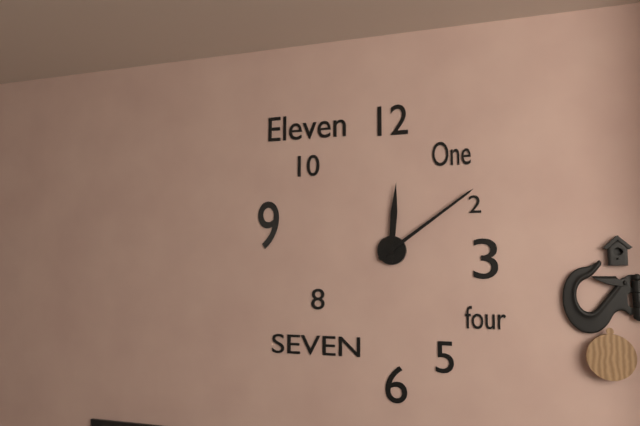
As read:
12,09
